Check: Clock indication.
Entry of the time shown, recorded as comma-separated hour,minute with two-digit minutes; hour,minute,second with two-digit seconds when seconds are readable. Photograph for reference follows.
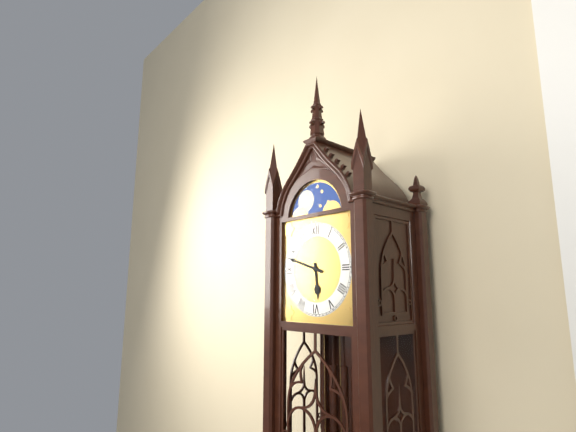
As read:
5,48
